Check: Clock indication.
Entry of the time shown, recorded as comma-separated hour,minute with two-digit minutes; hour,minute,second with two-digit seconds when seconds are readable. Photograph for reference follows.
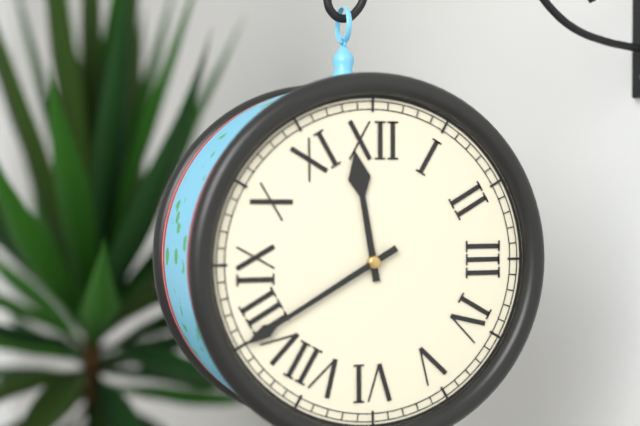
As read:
11,40
